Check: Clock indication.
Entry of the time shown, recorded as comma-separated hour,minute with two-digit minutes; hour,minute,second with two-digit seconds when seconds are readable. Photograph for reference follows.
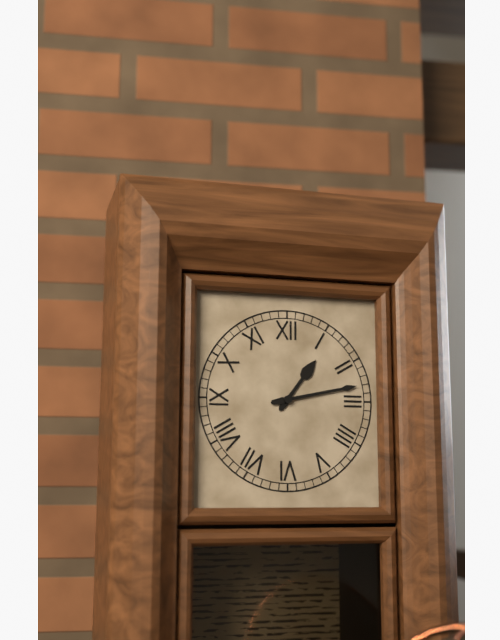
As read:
1,13
